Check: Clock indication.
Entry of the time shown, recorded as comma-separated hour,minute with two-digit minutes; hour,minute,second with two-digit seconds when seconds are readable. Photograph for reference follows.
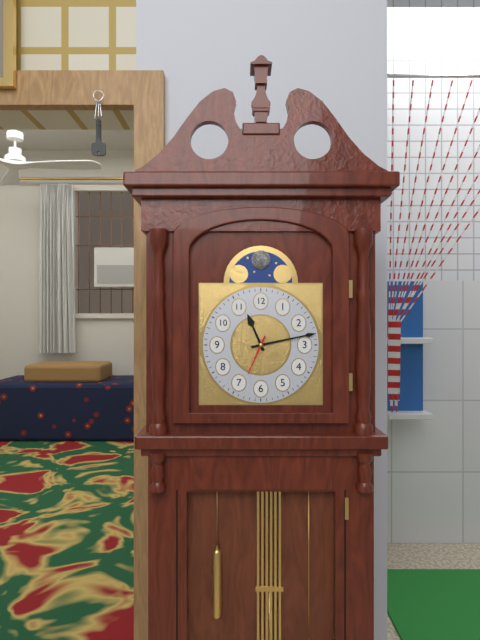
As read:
11,13
